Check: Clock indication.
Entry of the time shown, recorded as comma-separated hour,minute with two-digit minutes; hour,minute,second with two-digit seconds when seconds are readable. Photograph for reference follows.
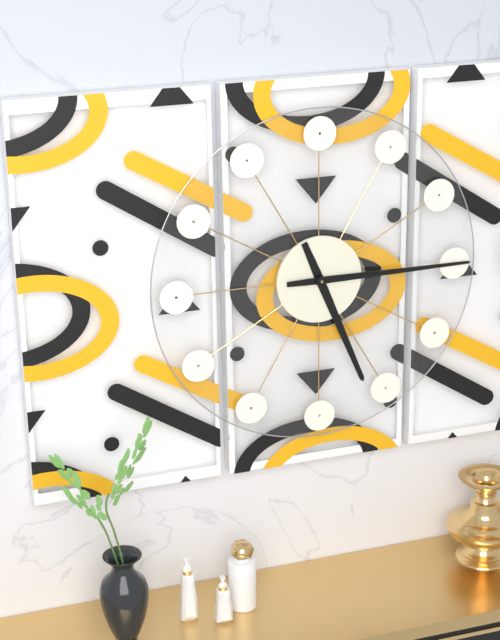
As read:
5,15
